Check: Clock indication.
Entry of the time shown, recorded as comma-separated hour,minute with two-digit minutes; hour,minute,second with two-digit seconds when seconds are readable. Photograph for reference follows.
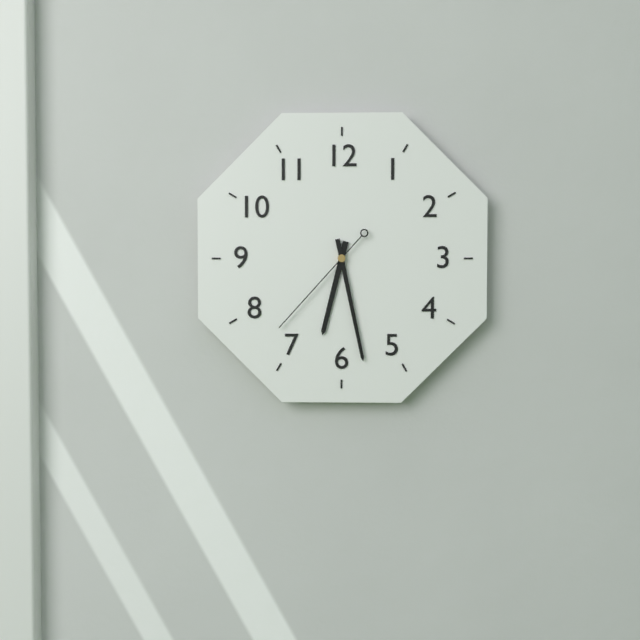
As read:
6,28,37
